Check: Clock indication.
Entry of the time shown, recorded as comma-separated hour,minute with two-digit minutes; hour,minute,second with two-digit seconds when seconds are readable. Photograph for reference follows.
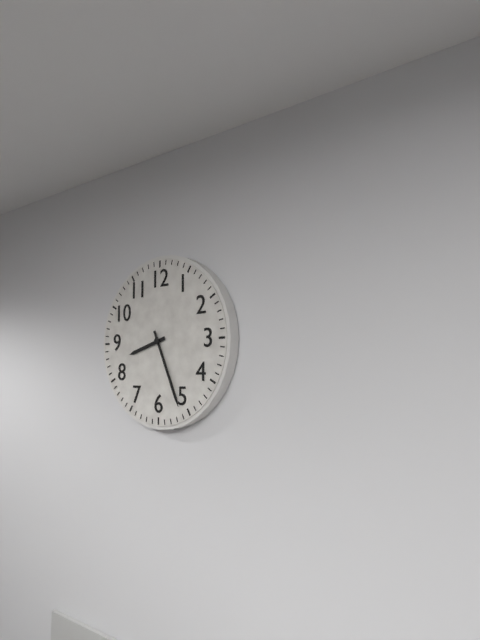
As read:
8,26
